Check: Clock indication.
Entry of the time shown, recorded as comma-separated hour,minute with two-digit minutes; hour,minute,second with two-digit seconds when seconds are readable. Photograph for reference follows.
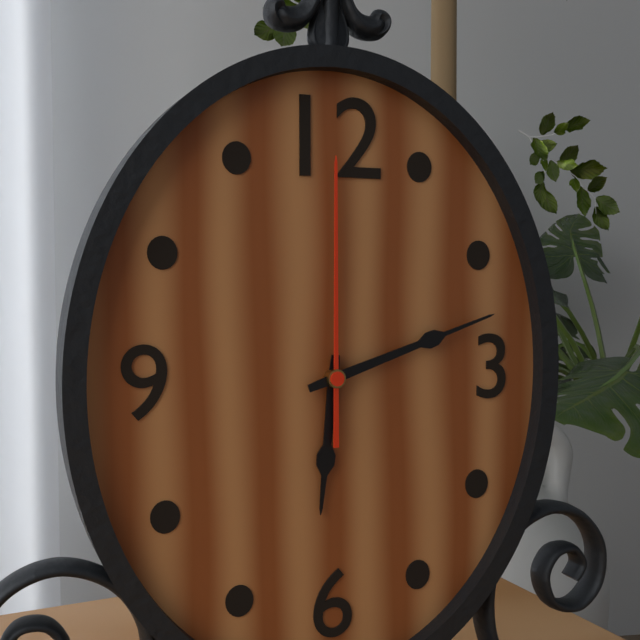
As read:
6,12,00
